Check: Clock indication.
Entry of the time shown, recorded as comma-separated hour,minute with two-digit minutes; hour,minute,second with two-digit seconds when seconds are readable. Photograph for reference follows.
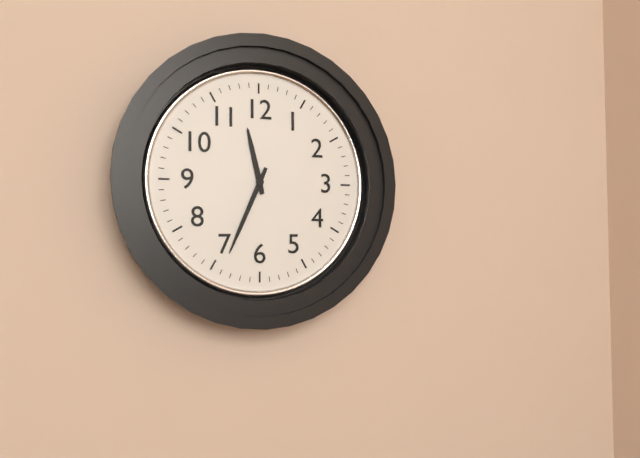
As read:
11,34
